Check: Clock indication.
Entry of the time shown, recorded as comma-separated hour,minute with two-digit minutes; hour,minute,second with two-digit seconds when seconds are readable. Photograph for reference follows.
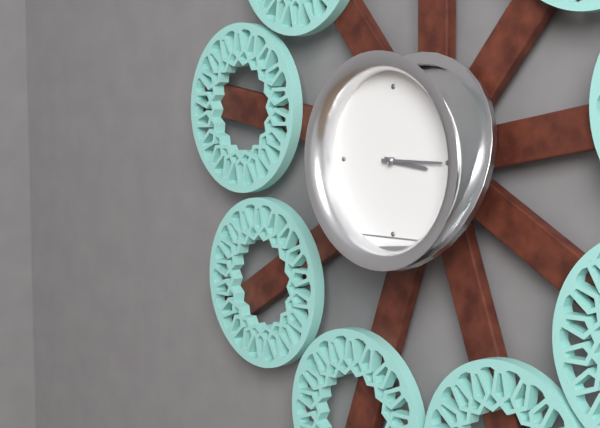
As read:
3,15
